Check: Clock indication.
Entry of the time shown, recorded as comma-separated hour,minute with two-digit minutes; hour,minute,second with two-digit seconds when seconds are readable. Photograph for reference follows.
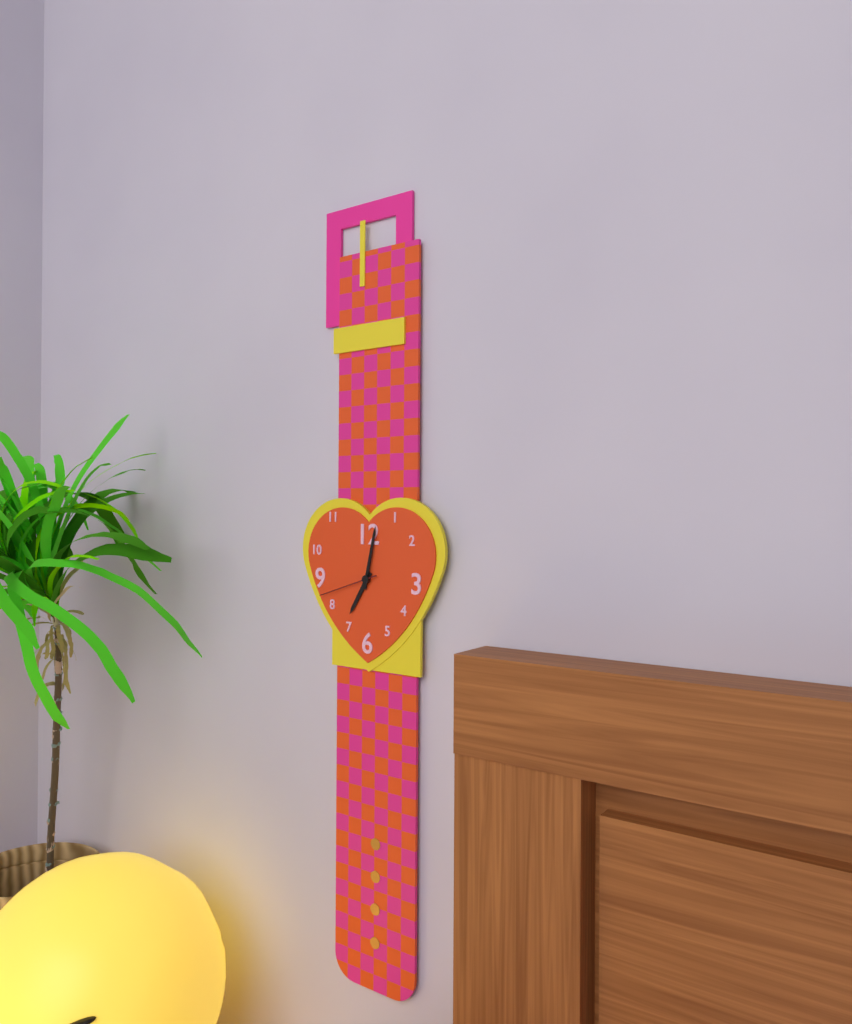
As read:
7,02,42
